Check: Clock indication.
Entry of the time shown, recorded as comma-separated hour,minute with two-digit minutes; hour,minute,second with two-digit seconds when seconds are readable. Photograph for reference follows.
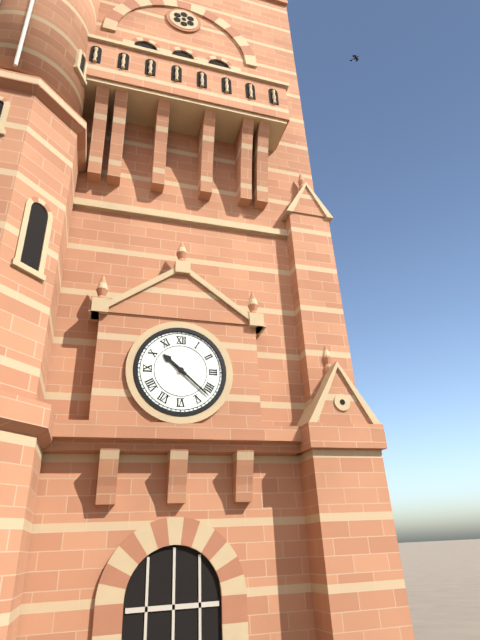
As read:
10,22
